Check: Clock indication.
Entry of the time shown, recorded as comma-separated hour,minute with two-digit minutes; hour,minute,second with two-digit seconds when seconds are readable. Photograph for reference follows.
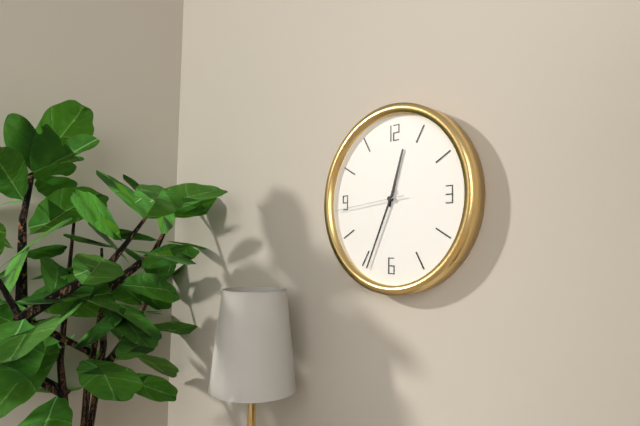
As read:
12,34,44
